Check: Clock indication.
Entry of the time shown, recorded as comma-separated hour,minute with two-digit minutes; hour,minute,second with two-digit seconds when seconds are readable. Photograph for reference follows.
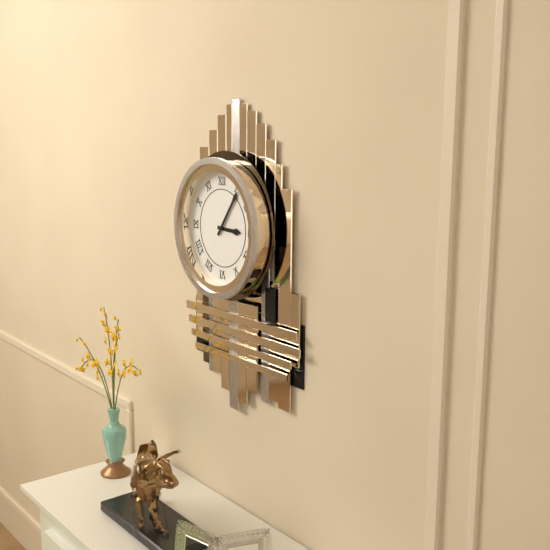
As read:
3,06
